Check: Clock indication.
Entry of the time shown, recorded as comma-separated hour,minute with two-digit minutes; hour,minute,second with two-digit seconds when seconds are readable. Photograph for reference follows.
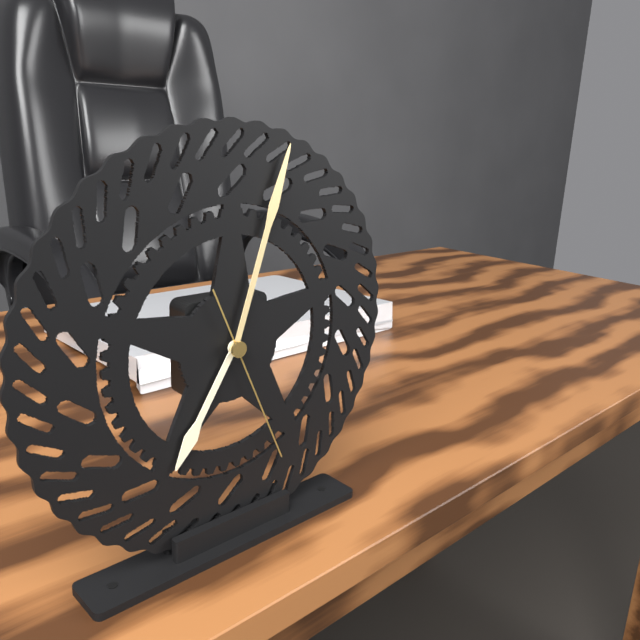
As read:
7,03,26
